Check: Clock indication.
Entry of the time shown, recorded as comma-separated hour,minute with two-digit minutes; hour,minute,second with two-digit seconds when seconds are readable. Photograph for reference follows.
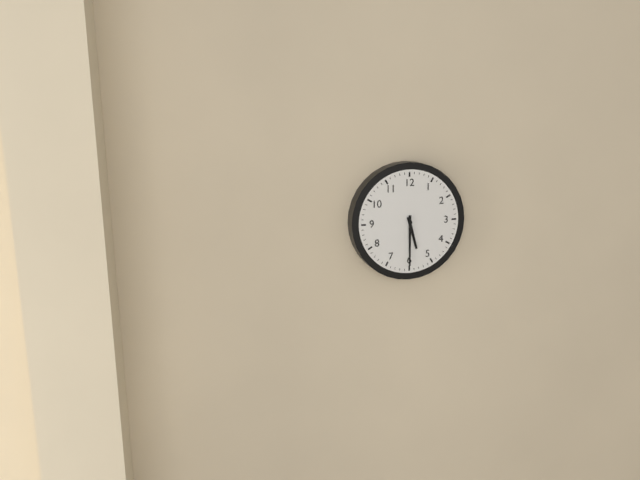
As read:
5,30
